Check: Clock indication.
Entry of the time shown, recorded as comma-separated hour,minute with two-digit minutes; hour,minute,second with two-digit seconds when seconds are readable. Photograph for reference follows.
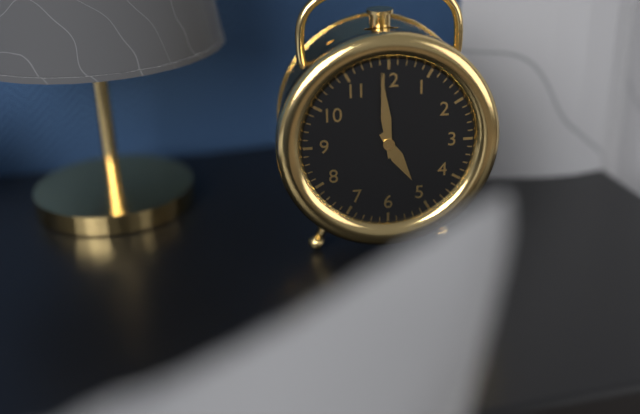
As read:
4,59
